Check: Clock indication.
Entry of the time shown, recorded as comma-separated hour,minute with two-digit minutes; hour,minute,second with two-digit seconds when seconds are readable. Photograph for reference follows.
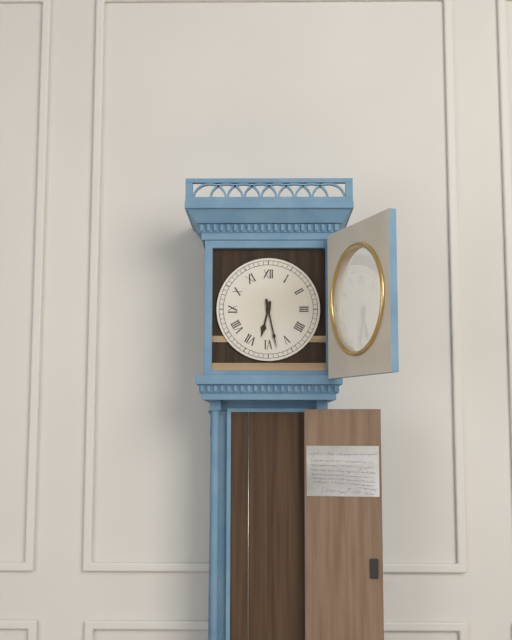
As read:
6,28
